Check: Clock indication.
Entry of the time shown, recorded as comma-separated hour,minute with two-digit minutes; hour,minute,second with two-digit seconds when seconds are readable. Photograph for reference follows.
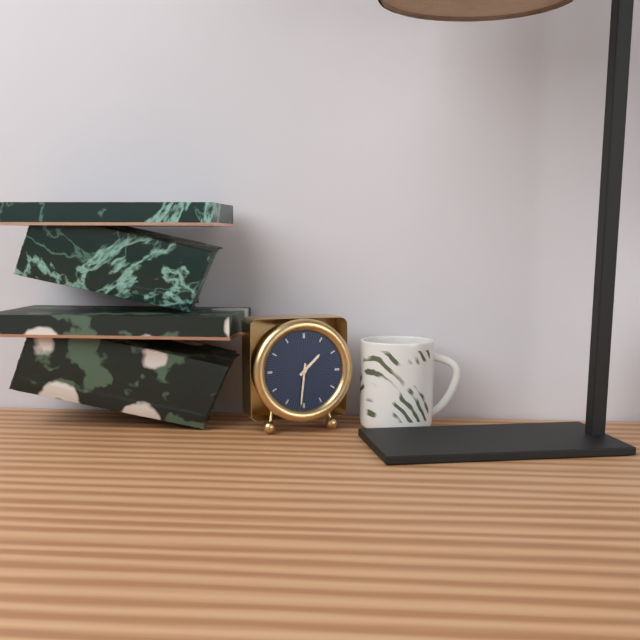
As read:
1,31
